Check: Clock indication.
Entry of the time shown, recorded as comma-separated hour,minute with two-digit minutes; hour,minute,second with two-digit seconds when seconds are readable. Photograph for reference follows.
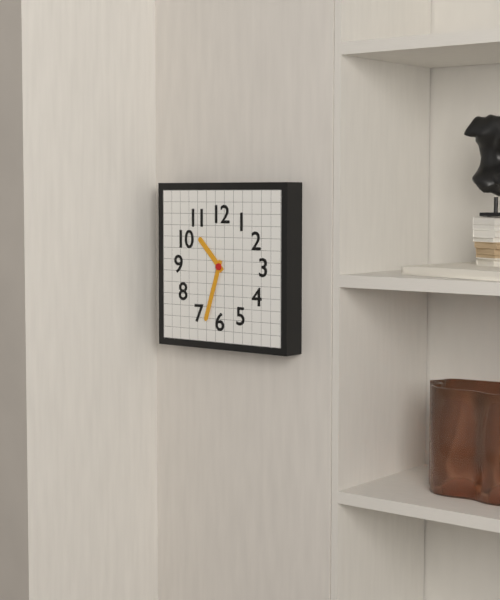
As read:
10,33
